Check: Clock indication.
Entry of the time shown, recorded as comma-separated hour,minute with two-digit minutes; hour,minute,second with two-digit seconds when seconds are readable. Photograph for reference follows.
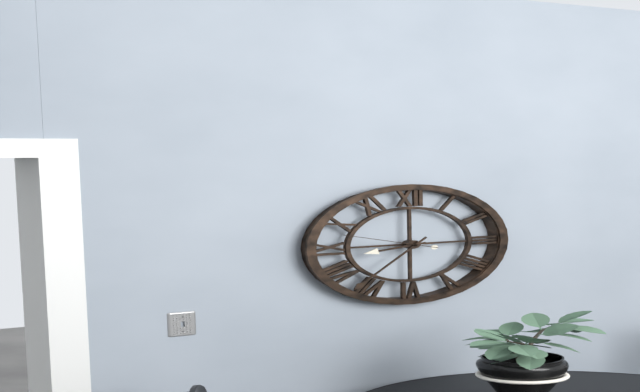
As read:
8,37,48
